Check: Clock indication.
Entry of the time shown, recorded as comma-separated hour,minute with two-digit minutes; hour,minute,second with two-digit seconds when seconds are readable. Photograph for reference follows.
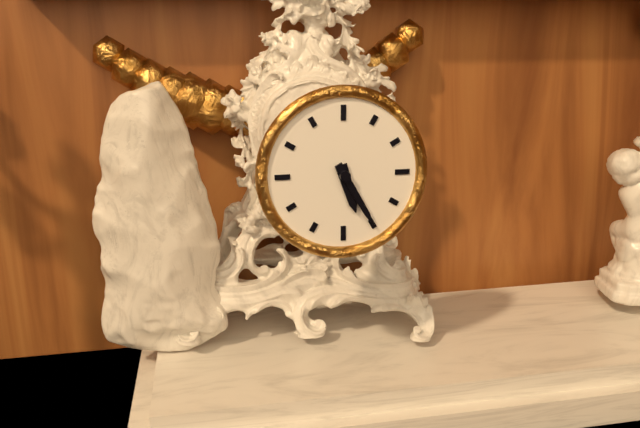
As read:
5,25
